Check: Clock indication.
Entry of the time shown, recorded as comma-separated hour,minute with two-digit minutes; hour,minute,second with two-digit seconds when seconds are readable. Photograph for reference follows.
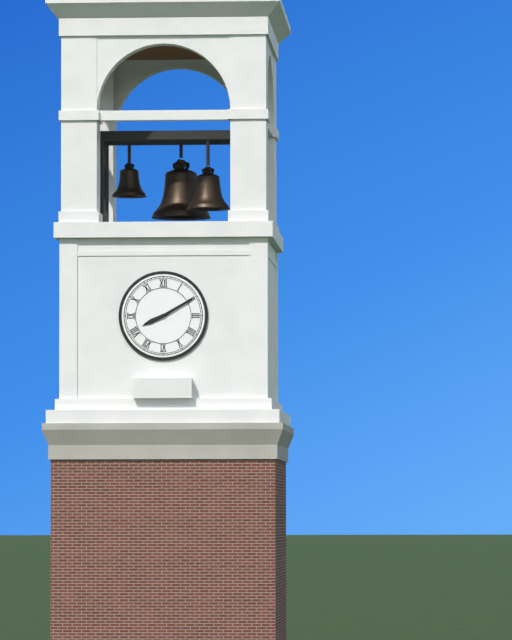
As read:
8,10
